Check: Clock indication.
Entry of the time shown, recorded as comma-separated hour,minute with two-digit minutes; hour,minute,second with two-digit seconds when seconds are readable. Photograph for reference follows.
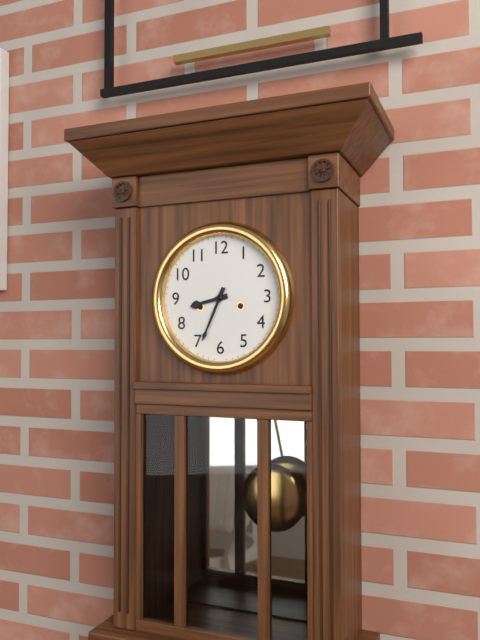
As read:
8,34
